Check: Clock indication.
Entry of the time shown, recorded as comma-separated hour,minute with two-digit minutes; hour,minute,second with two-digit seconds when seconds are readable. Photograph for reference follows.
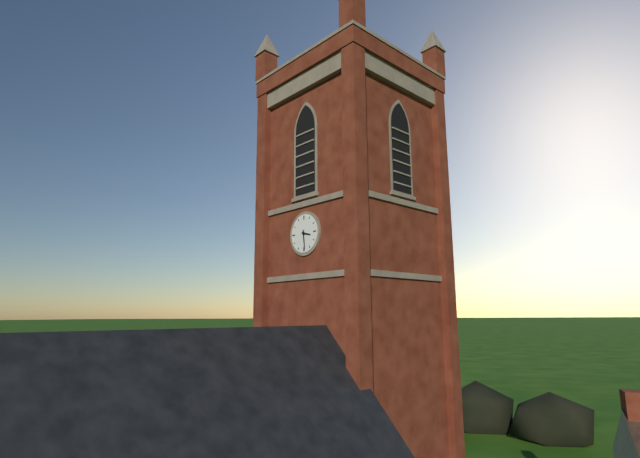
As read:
3,29
